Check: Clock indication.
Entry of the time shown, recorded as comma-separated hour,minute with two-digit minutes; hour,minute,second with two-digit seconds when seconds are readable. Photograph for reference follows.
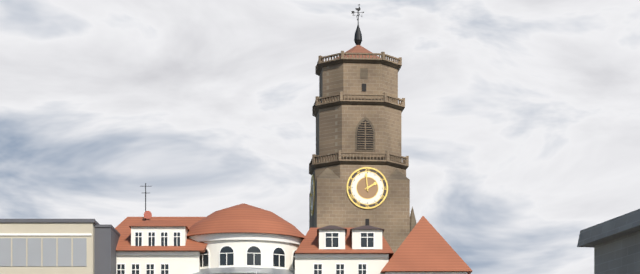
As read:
1,59
